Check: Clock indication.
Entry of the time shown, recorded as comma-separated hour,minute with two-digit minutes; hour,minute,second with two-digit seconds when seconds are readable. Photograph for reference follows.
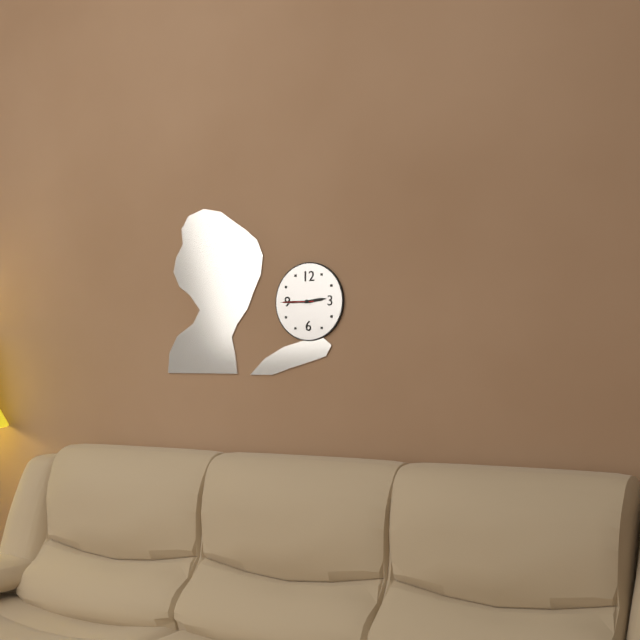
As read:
2,45
